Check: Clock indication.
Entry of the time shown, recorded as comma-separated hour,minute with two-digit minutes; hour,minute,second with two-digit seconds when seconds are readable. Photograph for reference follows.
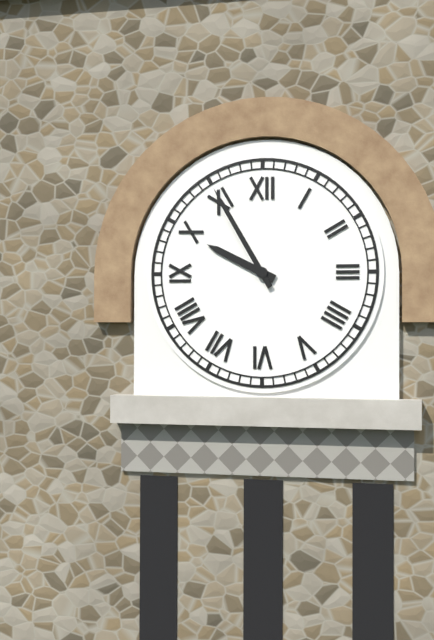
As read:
9,55
